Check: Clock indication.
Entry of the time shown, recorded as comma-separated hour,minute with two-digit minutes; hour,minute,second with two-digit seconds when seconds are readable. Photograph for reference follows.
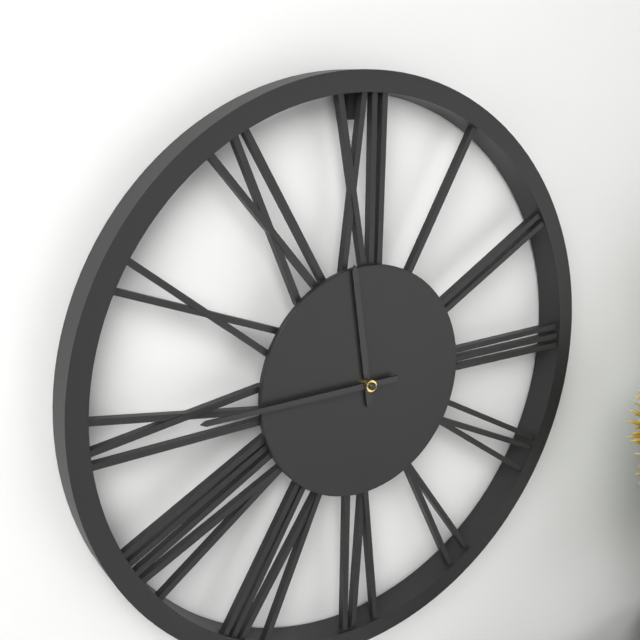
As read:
11,45
